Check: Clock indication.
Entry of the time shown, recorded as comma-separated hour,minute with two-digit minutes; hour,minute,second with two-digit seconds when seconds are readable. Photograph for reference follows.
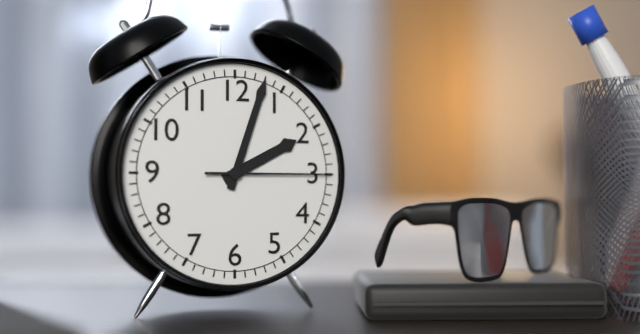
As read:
2,03,15
